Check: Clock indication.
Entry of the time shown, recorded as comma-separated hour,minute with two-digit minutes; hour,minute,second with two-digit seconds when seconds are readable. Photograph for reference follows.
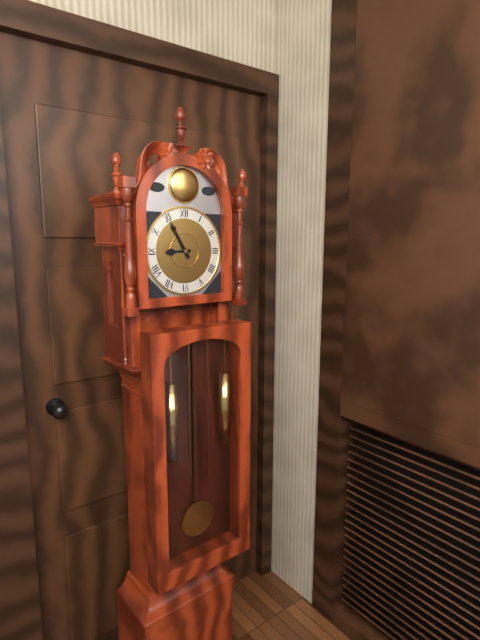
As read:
8,55
